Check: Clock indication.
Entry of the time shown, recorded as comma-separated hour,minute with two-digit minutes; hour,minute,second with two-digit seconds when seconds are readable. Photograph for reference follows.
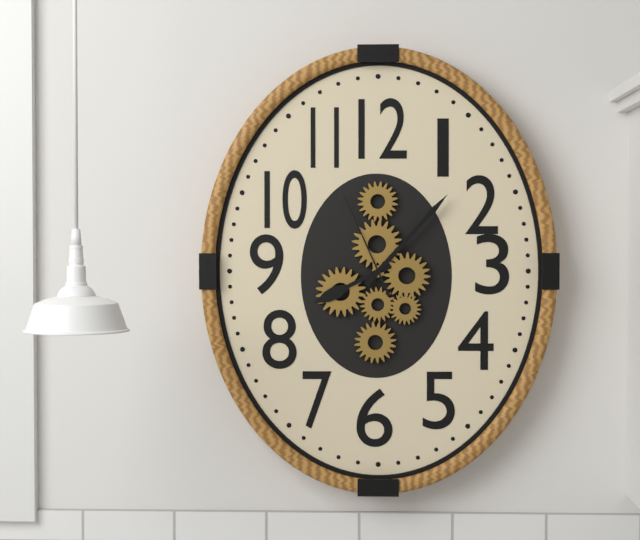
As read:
8,07,56
